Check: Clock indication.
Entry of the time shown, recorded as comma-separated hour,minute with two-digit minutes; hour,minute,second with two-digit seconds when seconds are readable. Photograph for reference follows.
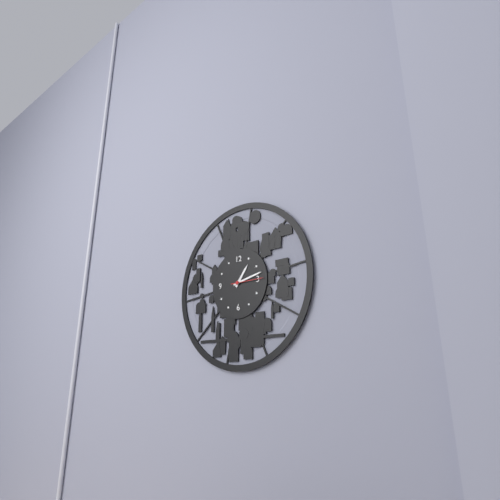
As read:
1,13
